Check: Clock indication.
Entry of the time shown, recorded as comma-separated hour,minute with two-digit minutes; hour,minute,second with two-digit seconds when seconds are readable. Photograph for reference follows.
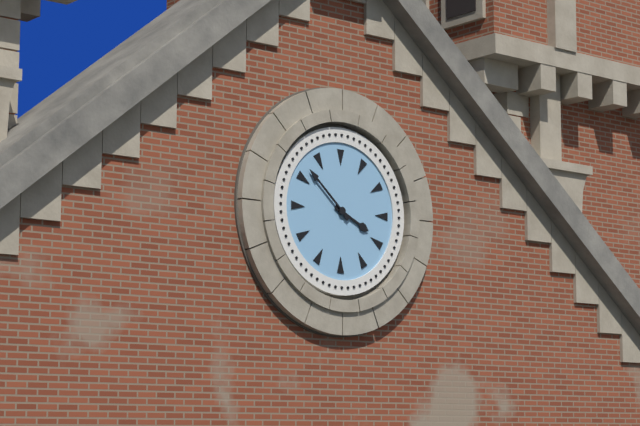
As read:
3,52
